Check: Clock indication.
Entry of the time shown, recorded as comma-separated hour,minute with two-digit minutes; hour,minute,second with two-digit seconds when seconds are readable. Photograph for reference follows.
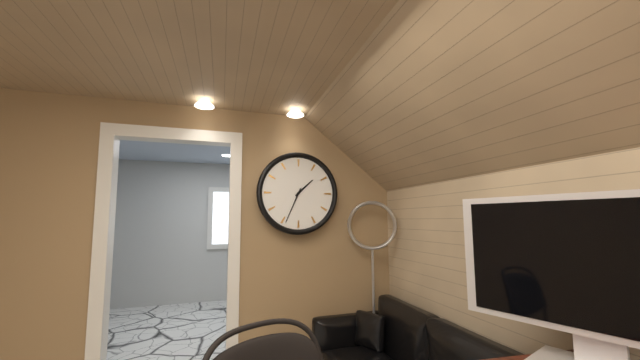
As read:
1,34
